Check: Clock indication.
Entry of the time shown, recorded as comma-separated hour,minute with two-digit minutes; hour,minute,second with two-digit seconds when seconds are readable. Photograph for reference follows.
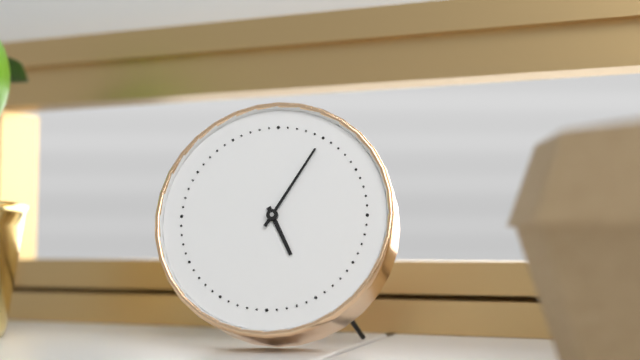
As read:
5,05
